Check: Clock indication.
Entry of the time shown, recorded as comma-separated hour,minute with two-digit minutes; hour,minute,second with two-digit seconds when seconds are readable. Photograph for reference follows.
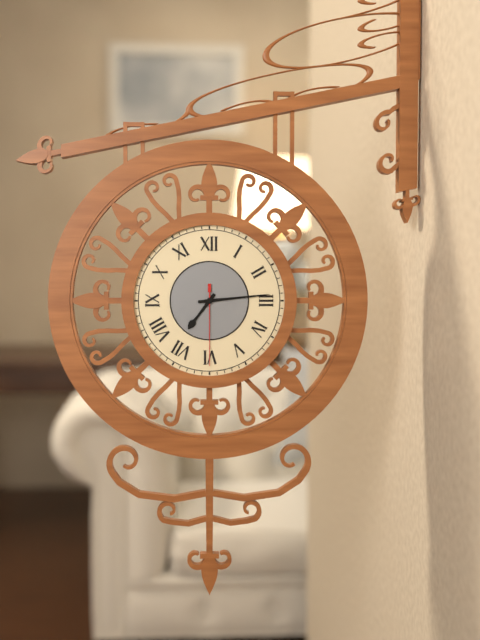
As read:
7,14,30
